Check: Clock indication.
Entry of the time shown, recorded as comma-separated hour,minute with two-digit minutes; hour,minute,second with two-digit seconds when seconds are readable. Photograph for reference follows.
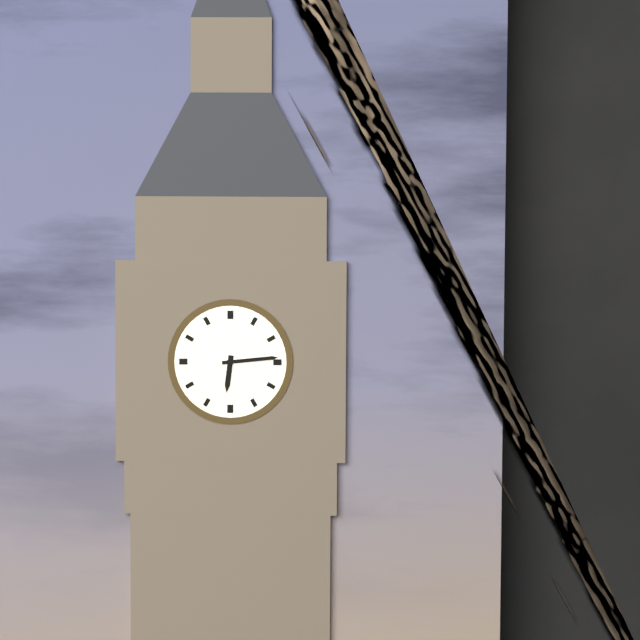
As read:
6,14
